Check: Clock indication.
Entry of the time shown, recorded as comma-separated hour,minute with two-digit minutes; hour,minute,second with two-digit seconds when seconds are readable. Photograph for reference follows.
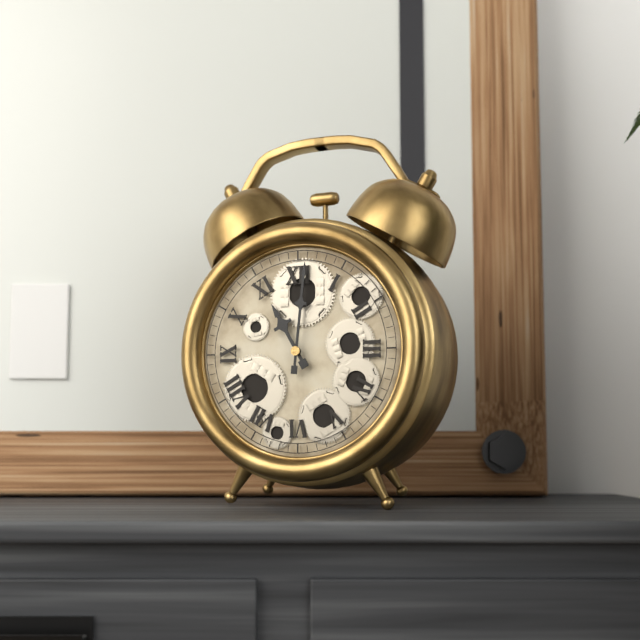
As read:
11,01
